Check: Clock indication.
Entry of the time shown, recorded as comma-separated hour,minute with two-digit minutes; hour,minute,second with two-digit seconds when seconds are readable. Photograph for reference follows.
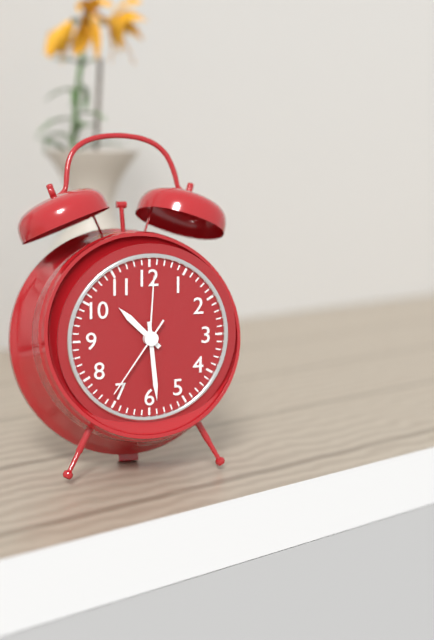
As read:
10,29,36
